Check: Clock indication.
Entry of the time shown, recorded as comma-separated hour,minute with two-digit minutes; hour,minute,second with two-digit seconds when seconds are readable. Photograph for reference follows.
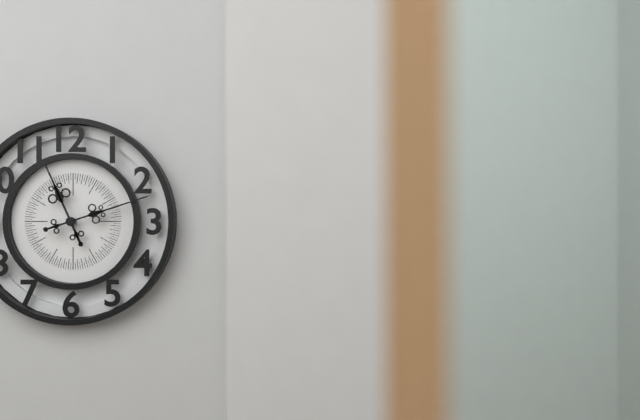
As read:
11,12
